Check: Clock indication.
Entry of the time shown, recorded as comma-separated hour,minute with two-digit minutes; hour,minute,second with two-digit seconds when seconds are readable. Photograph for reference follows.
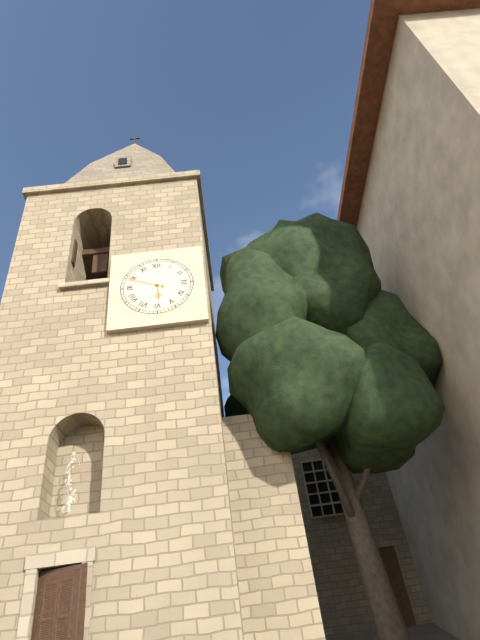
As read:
5,49
